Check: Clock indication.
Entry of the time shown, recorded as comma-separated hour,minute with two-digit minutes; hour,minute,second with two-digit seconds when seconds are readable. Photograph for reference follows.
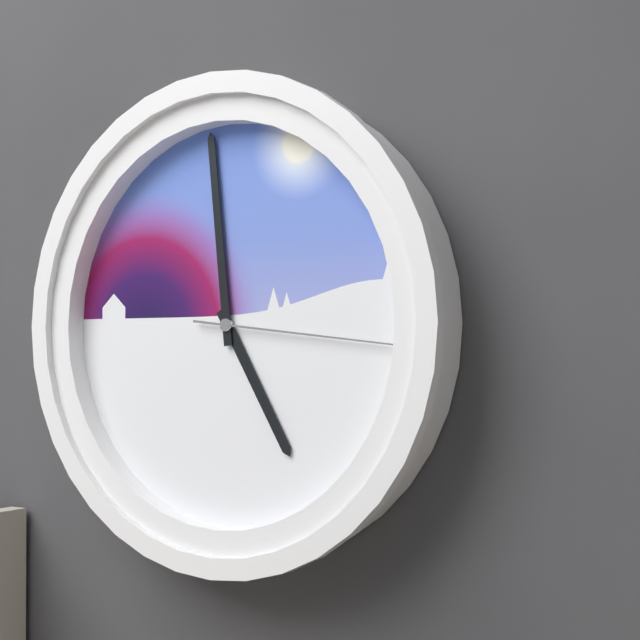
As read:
4,59,16
